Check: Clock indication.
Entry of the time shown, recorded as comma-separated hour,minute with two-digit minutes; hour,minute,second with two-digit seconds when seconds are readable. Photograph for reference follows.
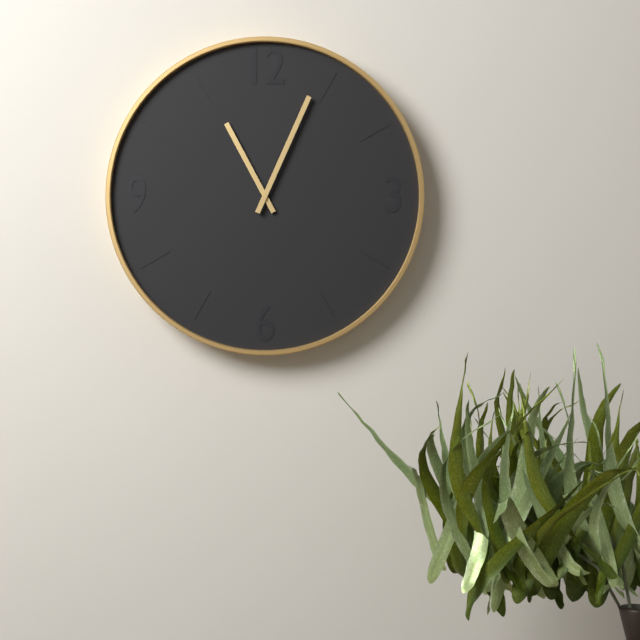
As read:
11,04
